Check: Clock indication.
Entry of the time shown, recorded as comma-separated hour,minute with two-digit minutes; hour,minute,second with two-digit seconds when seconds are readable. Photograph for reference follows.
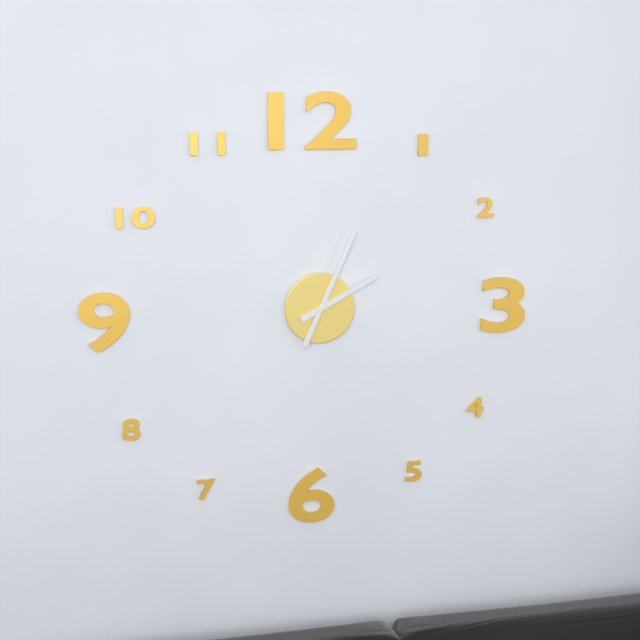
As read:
2,04
